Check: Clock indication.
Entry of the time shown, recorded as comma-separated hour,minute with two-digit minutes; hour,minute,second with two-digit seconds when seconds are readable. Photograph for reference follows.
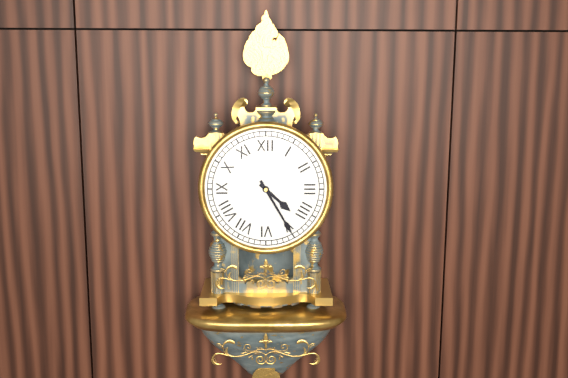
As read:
4,25
